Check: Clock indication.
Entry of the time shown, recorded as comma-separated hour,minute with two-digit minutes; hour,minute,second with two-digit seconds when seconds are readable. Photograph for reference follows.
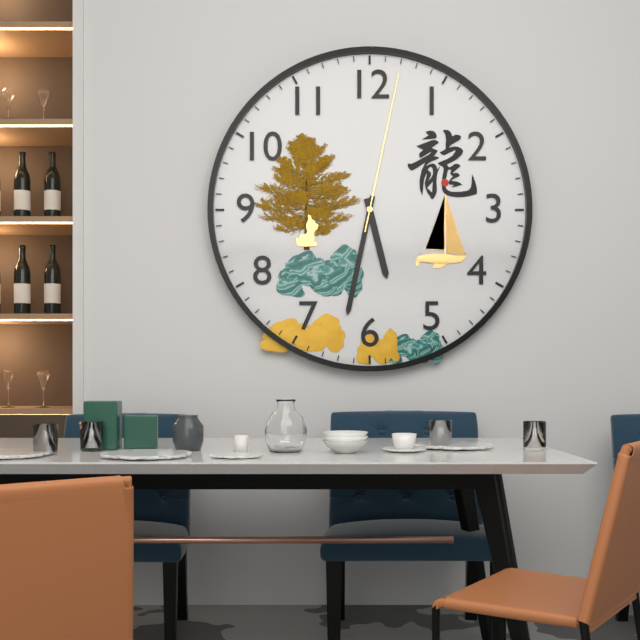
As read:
5,32,02
